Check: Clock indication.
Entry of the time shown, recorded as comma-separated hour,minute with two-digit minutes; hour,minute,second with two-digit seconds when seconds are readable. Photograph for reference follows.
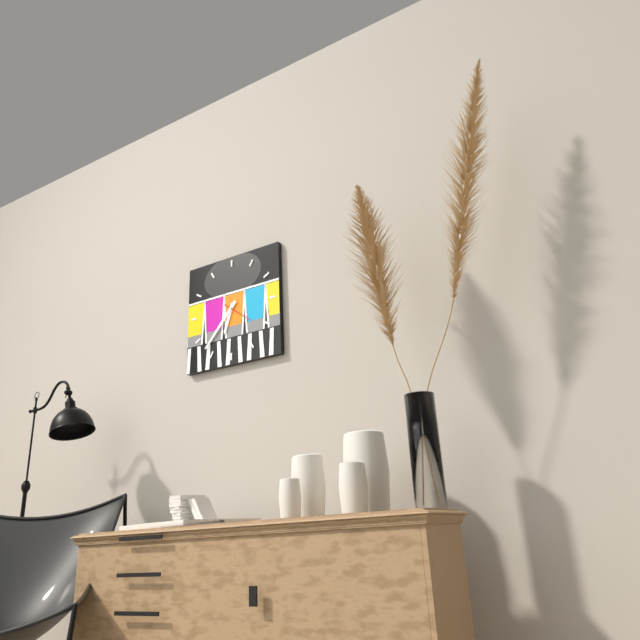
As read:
6,37
